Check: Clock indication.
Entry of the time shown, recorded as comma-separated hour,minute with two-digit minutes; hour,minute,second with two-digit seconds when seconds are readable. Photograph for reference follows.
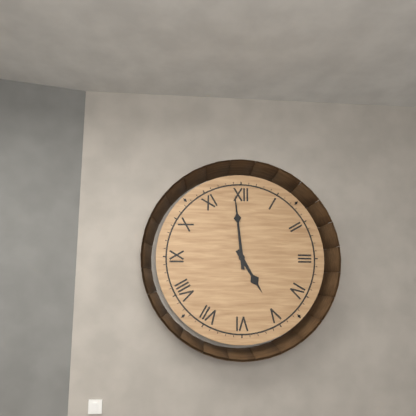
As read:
4,59
